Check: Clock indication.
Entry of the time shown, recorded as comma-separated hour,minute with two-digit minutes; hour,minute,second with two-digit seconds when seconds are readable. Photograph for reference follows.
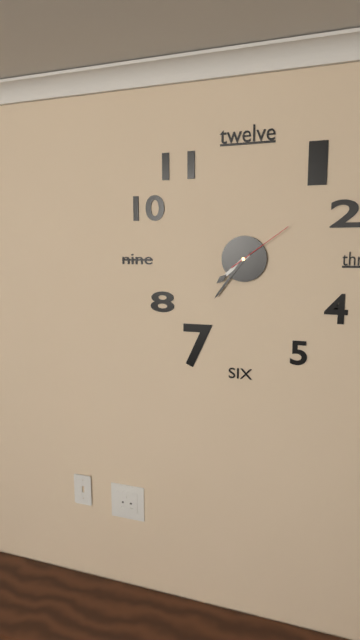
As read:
7,36,09
